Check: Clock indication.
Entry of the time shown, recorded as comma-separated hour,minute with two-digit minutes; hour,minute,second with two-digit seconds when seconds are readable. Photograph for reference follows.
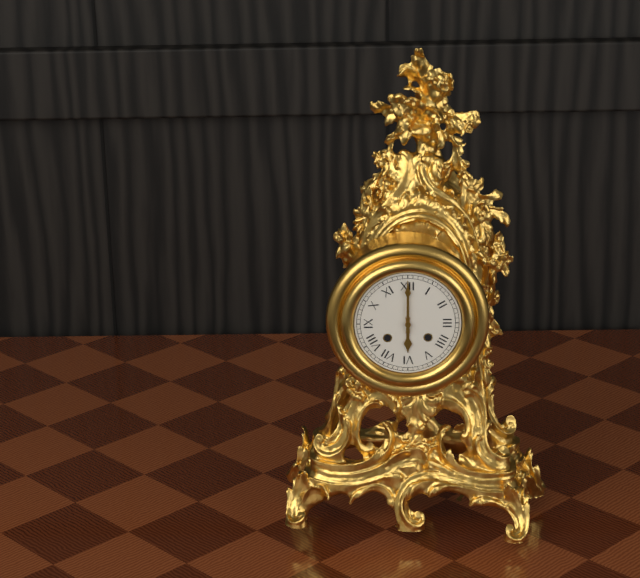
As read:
6,00
